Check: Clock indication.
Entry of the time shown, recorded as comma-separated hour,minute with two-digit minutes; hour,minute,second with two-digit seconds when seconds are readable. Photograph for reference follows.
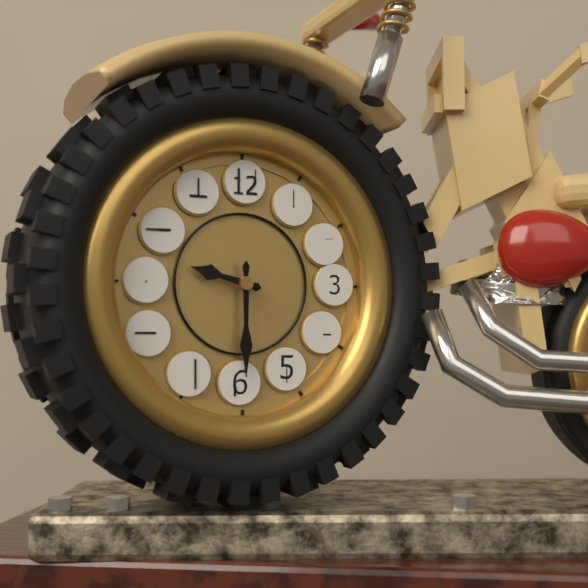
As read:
9,30
